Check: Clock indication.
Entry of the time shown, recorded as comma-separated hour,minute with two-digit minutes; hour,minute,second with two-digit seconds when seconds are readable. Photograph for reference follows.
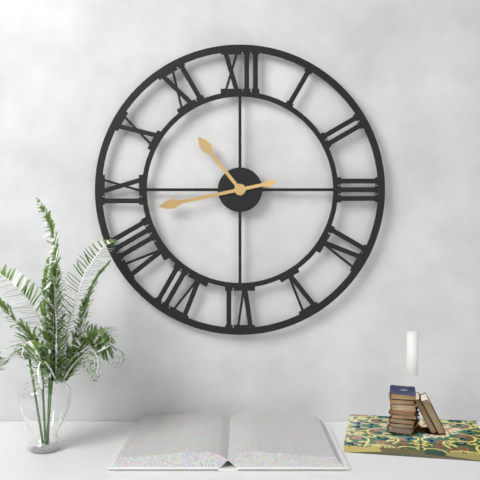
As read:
10,43
